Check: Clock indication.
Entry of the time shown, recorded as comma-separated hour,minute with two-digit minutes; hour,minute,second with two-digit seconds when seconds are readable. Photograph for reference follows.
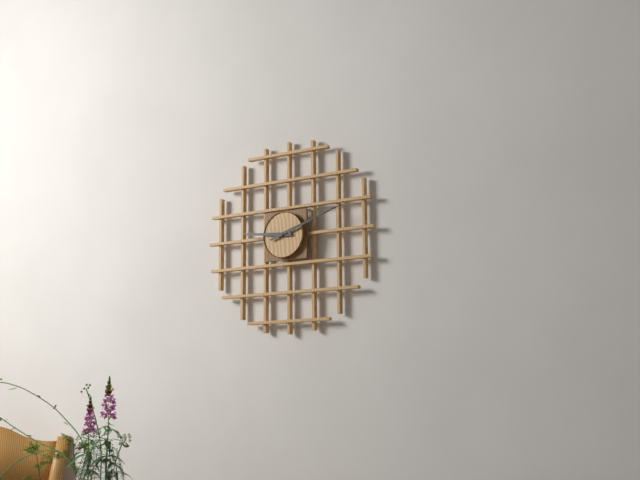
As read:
9,12
